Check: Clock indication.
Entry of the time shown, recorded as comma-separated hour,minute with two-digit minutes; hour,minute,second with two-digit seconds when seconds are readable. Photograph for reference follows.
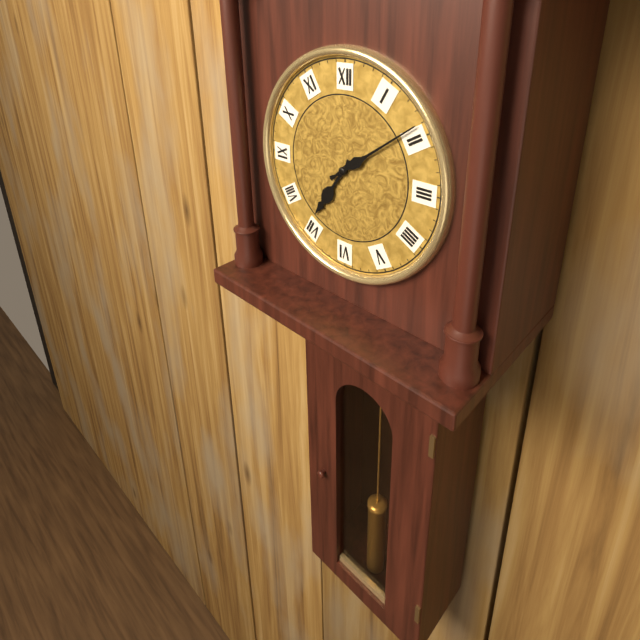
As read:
7,09
